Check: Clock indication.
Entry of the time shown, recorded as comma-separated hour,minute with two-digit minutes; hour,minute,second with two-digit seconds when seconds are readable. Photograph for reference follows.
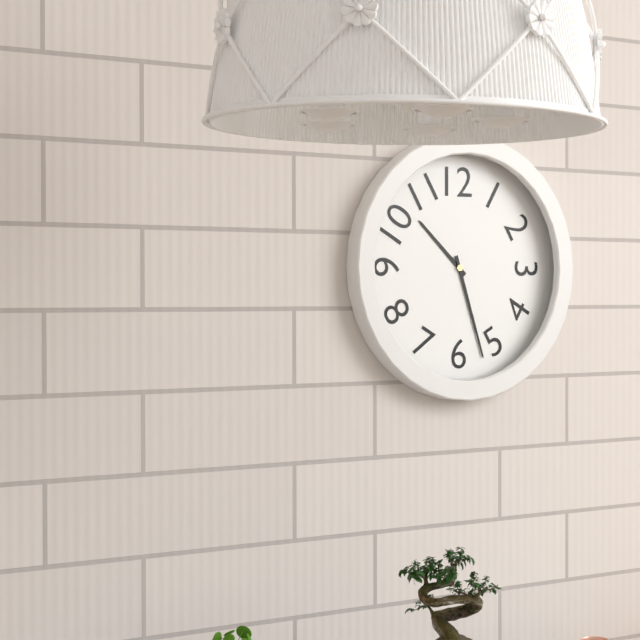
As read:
10,27
